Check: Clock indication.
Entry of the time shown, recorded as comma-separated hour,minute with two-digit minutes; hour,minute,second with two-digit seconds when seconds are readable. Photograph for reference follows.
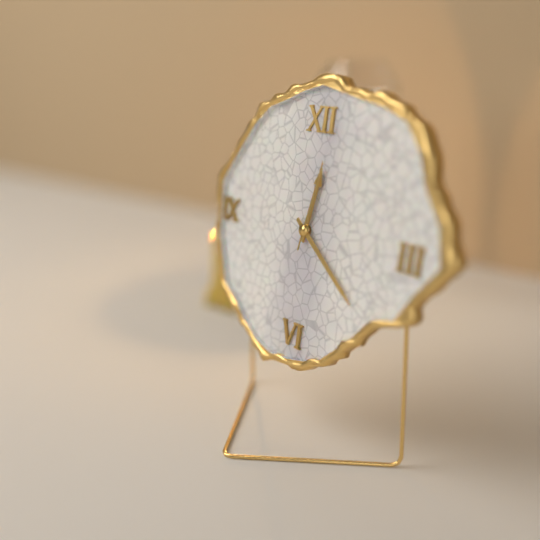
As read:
12,21,02
